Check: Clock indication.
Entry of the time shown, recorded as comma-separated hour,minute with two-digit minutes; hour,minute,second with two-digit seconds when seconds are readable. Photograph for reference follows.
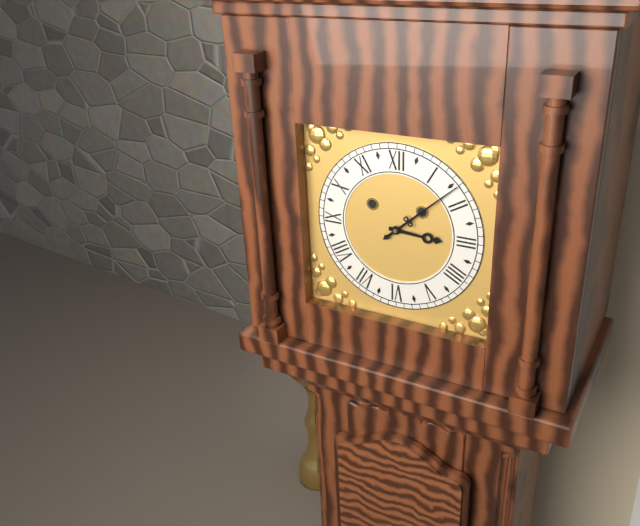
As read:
3,08
